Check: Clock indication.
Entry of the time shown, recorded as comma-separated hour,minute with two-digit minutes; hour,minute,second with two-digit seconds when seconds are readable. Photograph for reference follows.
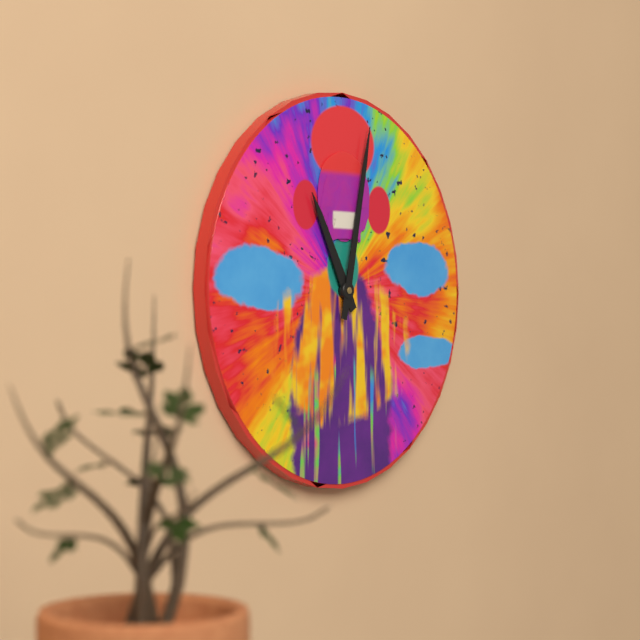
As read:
11,02
